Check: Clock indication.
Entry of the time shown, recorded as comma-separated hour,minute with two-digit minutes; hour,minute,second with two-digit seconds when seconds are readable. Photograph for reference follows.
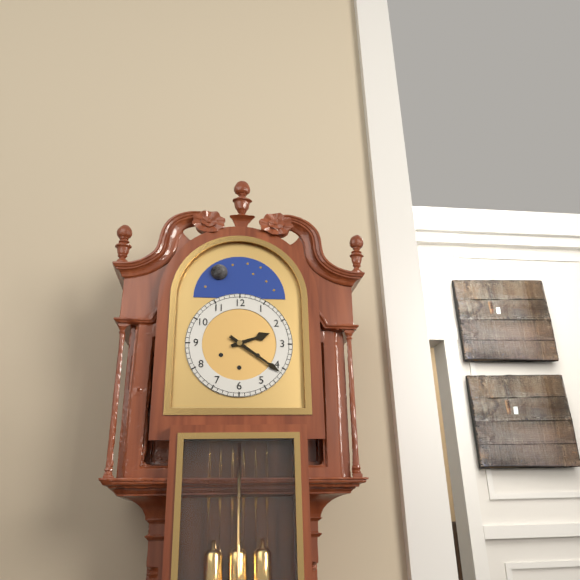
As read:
2,21
